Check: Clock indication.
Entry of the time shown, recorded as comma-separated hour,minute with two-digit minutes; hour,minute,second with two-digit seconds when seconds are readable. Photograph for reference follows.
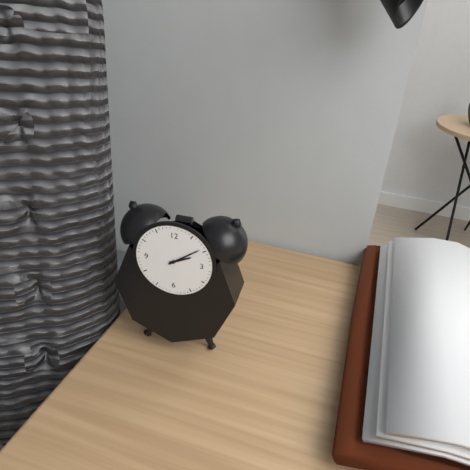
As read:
2,09
